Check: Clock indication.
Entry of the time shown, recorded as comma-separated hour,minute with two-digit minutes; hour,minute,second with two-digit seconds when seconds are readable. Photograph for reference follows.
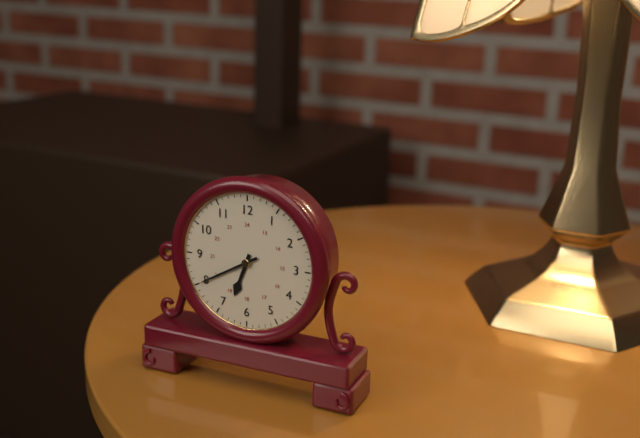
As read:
6,40
